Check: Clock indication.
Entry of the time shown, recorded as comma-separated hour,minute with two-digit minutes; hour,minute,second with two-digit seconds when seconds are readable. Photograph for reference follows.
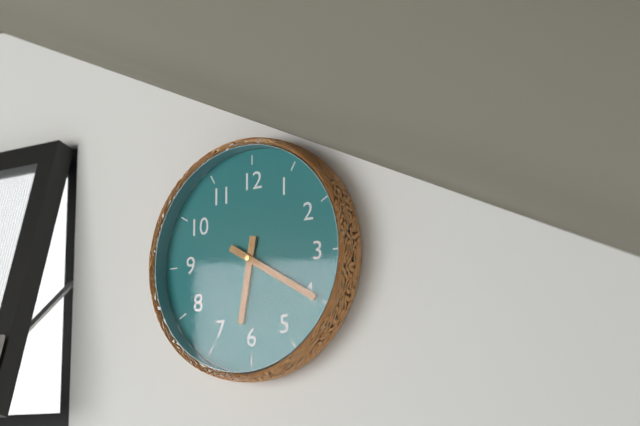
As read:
6,20
